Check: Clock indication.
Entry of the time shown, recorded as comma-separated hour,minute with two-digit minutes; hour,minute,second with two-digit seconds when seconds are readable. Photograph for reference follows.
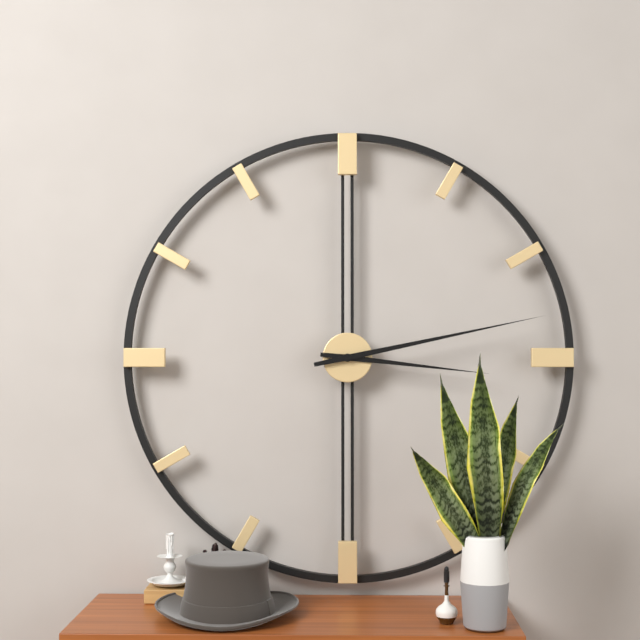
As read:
3,13
